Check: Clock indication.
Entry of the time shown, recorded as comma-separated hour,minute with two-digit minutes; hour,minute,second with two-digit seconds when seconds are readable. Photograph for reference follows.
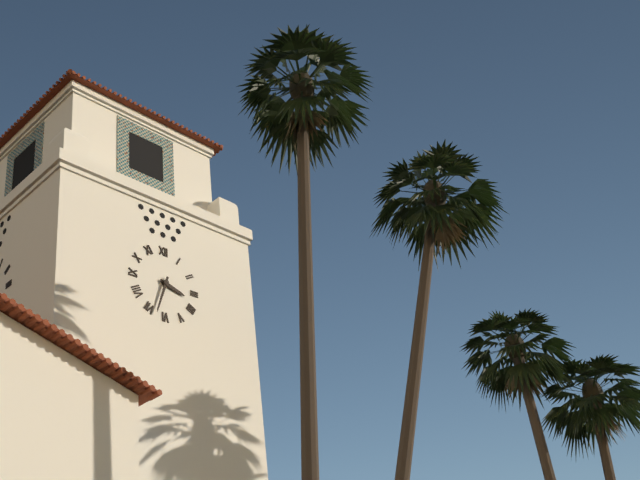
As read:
3,33
